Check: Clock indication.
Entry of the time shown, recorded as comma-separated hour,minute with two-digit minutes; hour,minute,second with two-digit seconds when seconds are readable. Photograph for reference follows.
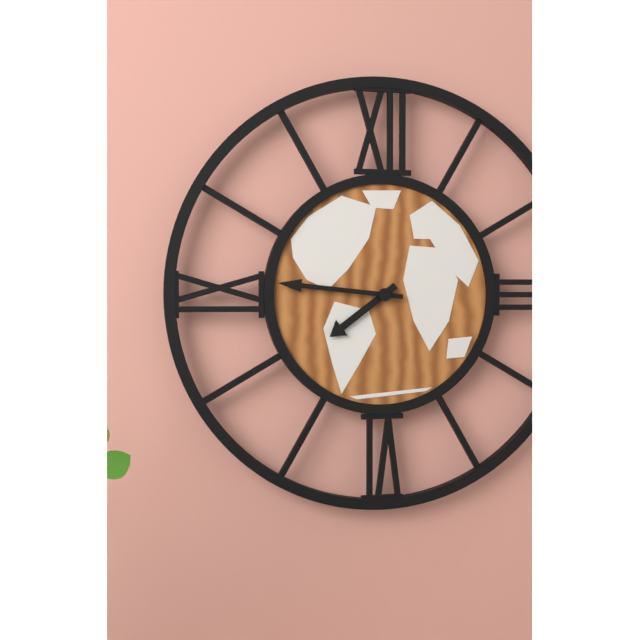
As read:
7,46
